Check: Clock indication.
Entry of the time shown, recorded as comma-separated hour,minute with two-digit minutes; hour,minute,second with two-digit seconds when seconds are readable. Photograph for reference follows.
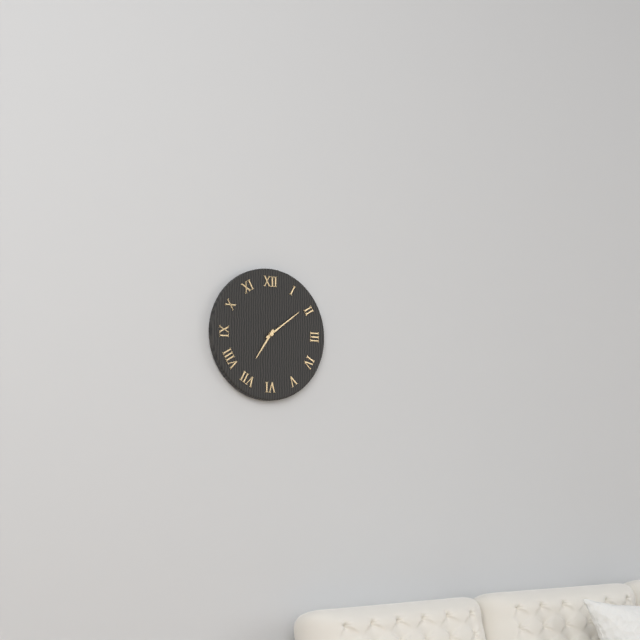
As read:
7,09
